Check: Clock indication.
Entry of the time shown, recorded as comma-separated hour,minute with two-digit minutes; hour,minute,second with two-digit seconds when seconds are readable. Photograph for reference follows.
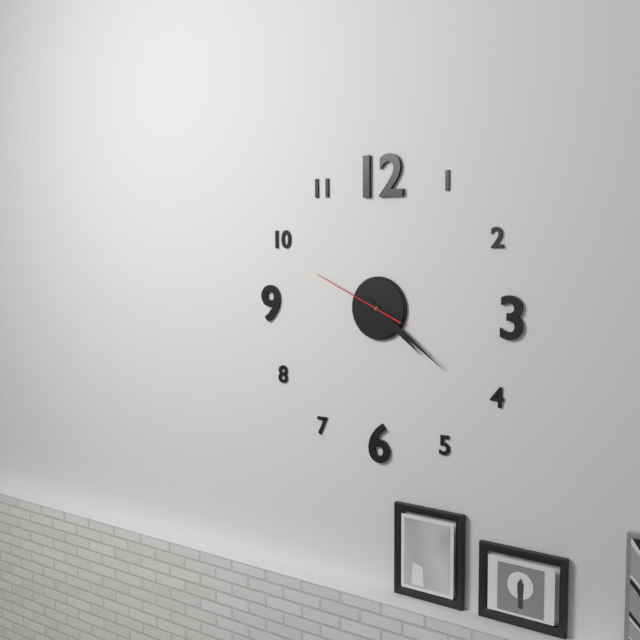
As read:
4,21,49
